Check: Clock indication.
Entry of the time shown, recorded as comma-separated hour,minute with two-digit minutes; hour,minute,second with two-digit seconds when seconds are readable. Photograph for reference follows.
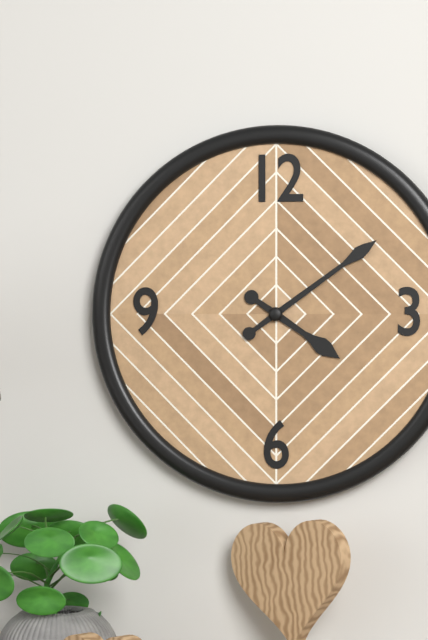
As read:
4,09
